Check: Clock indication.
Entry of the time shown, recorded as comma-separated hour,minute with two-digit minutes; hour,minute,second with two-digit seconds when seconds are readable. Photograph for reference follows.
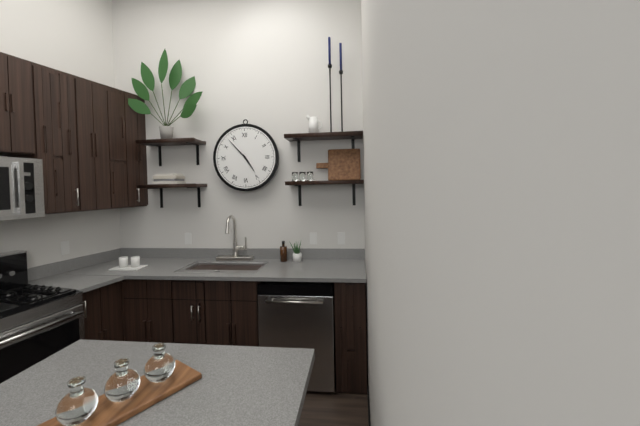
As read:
4,53
